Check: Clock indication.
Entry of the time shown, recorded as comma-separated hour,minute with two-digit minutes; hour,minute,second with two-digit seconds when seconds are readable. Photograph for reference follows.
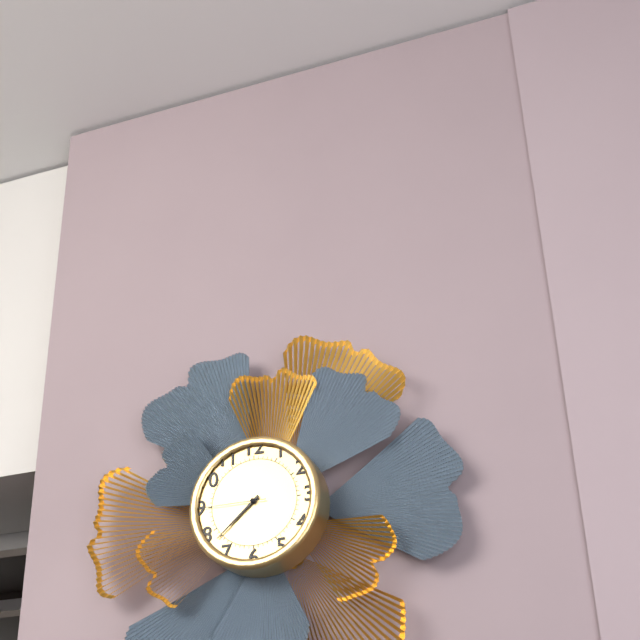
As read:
7,38,45
